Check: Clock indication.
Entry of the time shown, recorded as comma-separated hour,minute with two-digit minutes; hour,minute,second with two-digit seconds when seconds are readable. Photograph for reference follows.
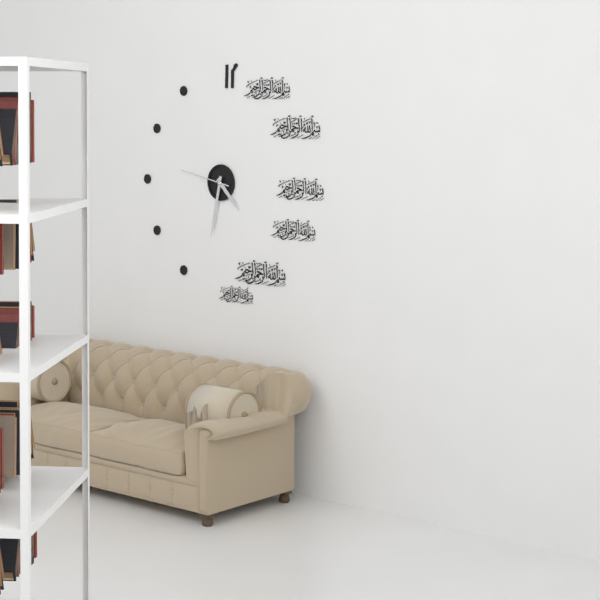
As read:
4,32,47
